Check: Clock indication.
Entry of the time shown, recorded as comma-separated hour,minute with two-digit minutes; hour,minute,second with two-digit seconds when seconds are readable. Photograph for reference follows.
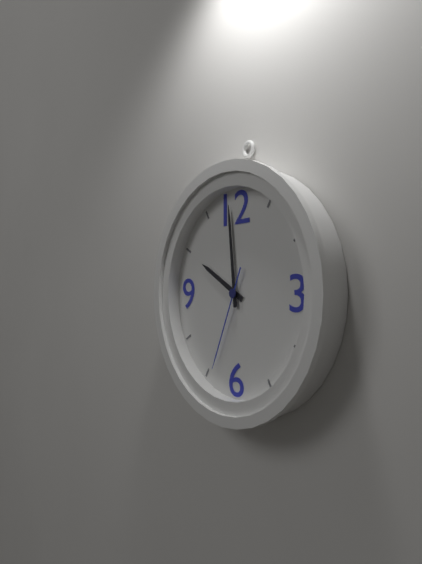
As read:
9,59,34
